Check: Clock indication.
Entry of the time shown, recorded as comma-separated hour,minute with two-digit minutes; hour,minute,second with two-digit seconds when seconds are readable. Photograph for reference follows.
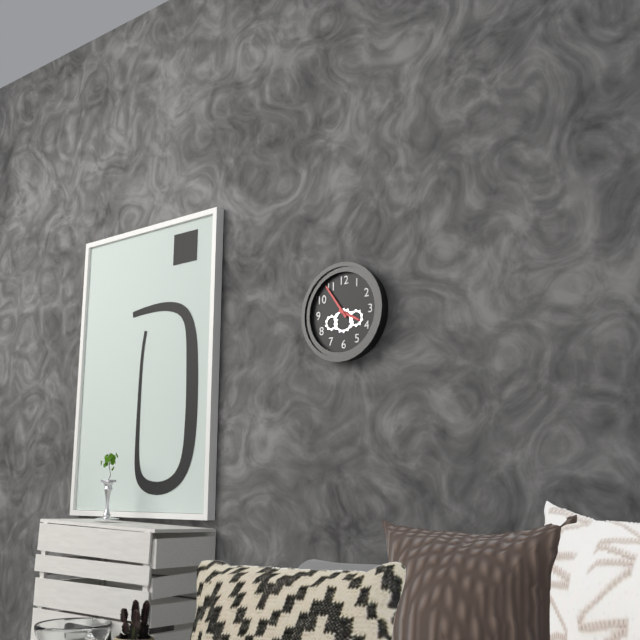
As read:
3,54
